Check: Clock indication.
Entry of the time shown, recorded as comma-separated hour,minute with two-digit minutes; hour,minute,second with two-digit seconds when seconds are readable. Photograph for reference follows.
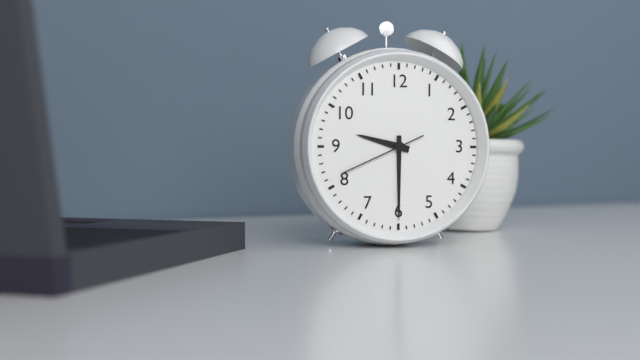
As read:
9,30,41
